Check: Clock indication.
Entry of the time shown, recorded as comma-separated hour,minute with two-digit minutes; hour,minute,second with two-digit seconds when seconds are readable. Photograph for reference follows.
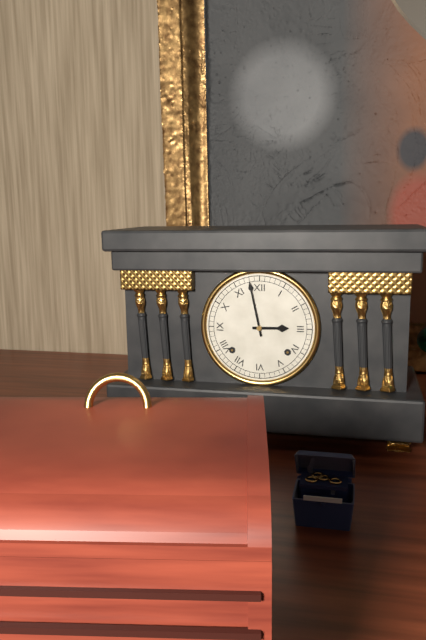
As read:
2,58
